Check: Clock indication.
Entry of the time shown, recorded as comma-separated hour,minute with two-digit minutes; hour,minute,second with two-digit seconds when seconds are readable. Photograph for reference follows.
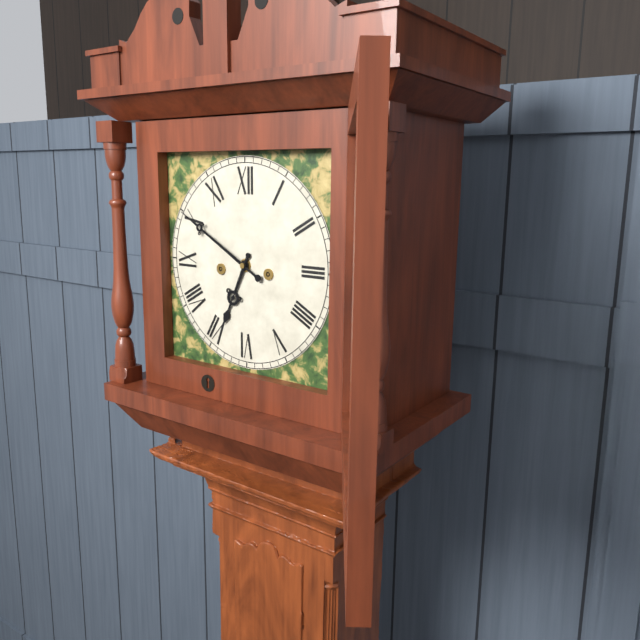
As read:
6,50
